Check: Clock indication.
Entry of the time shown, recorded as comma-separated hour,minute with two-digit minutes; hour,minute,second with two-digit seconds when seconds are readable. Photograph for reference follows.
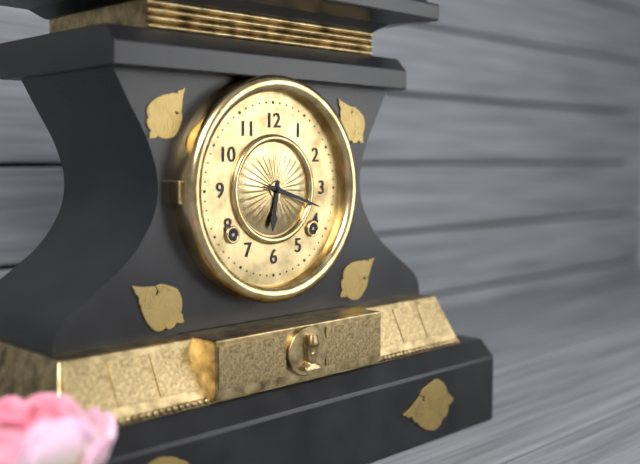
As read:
6,18
